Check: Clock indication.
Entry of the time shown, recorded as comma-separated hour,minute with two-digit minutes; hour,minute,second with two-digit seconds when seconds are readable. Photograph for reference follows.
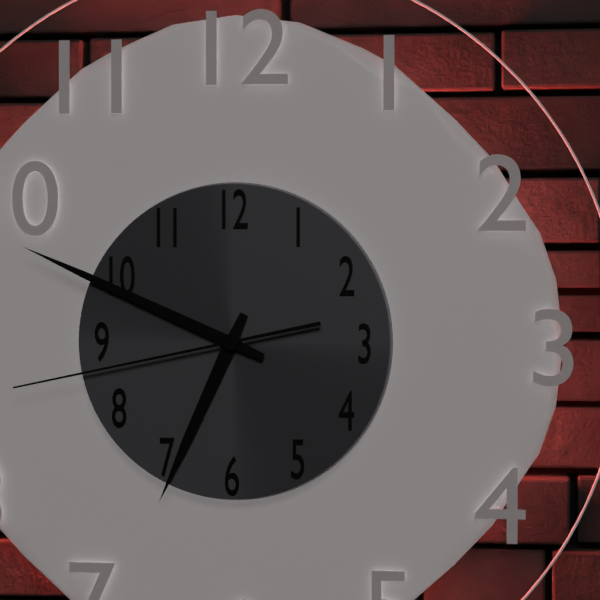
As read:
6,49,43
